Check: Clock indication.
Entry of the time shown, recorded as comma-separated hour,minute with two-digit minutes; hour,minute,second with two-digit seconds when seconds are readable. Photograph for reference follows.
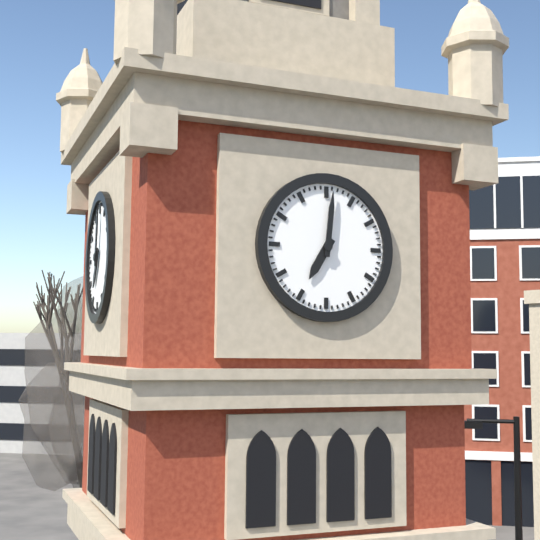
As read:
7,01
